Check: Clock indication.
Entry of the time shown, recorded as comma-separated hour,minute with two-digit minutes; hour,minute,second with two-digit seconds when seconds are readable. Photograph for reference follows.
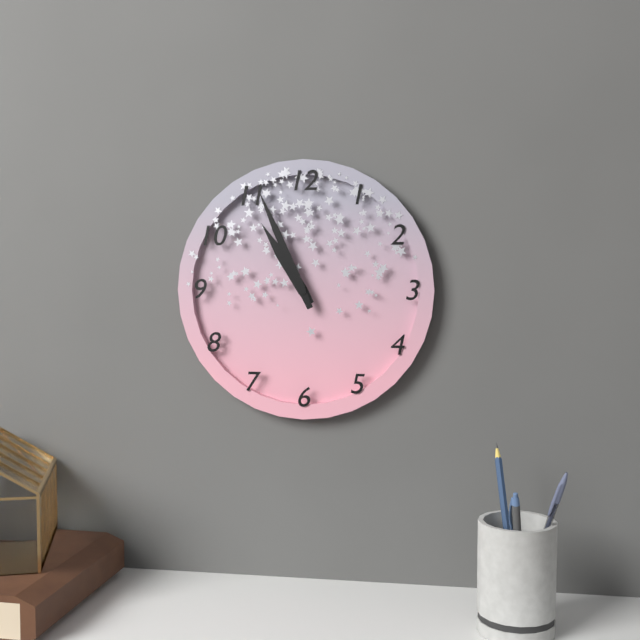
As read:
10,56
